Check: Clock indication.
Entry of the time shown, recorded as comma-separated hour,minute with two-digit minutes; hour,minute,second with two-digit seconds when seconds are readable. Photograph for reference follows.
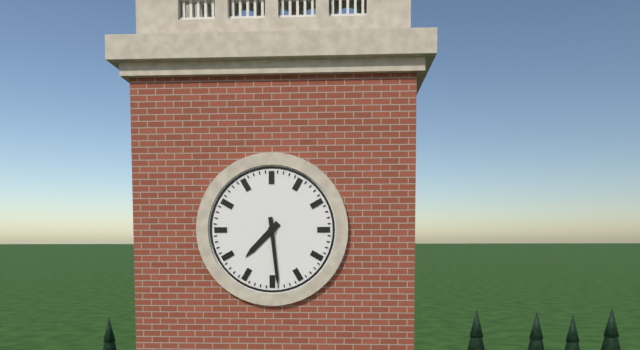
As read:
7,29
